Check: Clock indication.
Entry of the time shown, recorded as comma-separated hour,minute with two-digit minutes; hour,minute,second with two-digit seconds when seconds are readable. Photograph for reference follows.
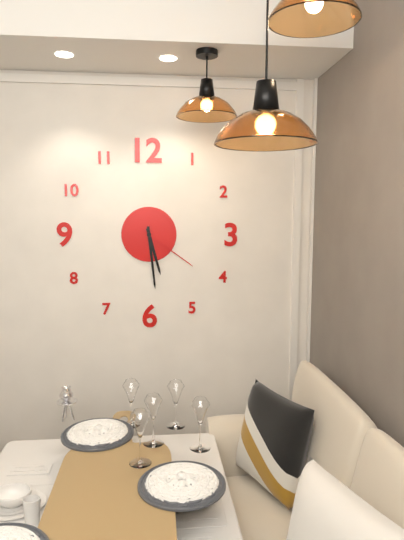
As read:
5,29,21
